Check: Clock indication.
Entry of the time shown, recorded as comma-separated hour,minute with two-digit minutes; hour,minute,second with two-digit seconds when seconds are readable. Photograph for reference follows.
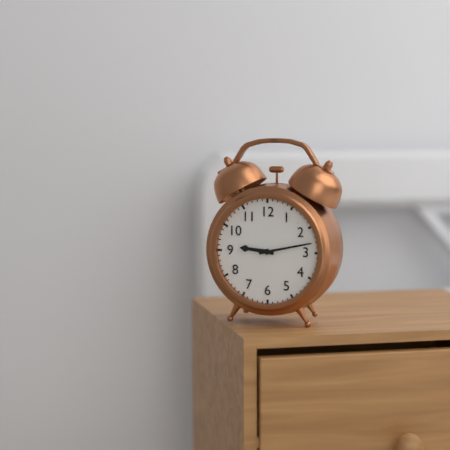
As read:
9,13
